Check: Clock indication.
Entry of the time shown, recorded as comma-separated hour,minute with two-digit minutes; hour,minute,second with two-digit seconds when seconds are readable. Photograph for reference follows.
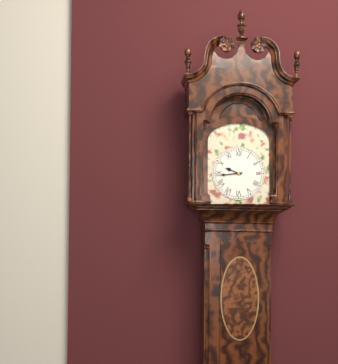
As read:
9,44
